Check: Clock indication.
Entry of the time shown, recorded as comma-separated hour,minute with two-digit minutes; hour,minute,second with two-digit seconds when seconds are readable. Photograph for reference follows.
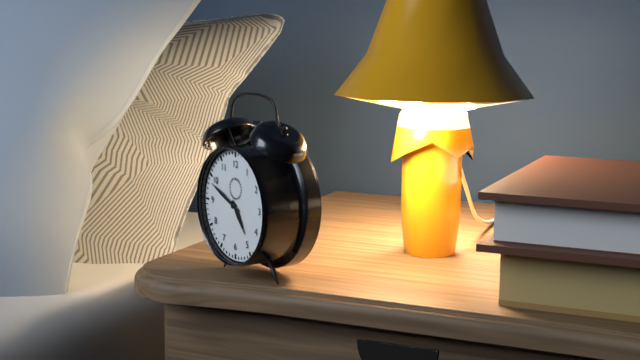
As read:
4,49
